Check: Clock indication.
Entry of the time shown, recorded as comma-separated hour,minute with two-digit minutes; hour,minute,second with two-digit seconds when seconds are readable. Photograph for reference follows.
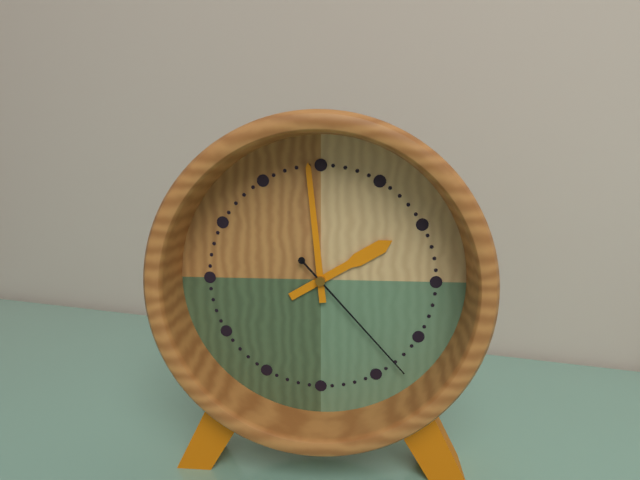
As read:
1,59,23
